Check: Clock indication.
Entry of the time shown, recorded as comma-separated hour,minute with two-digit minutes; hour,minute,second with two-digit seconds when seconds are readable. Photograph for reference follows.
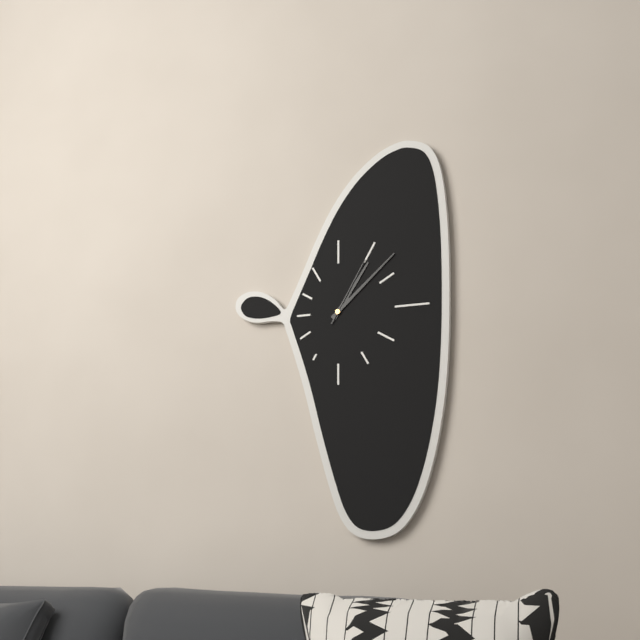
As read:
1,08,05
